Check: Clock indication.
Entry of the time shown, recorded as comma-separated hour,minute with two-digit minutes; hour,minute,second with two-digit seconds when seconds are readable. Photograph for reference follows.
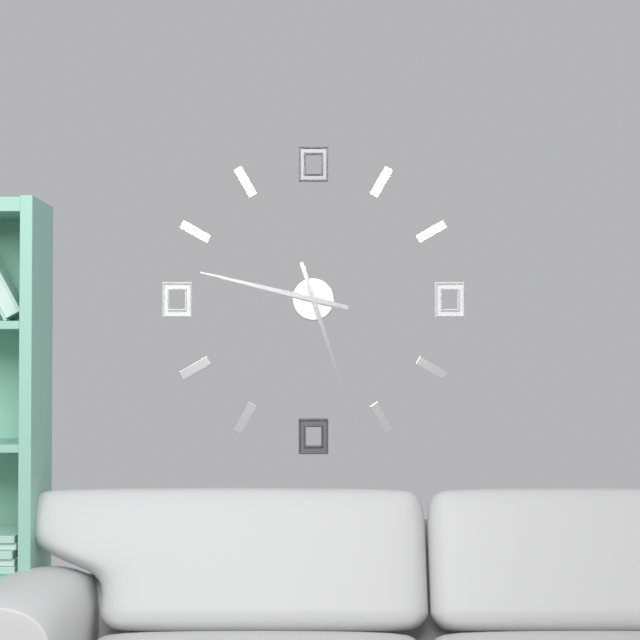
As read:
9,27
